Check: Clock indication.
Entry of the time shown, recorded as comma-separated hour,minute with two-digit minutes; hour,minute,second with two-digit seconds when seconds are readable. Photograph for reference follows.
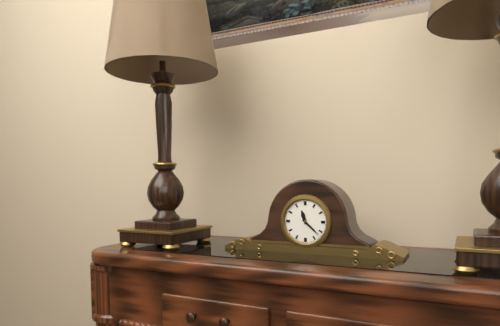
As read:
11,22
